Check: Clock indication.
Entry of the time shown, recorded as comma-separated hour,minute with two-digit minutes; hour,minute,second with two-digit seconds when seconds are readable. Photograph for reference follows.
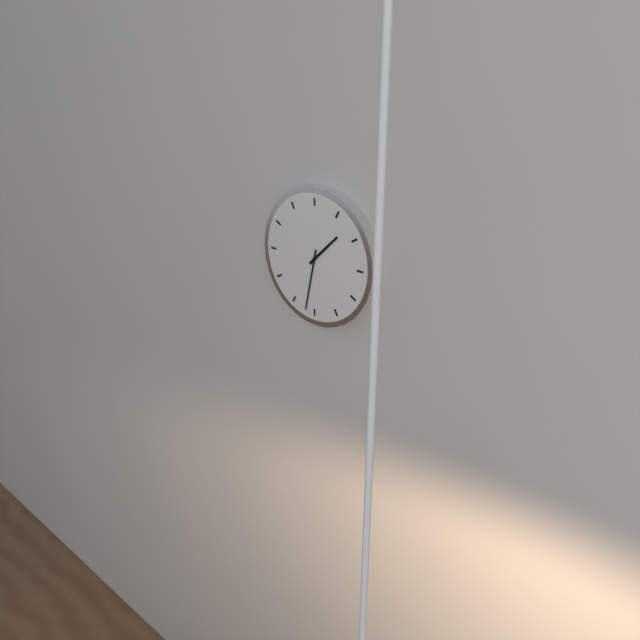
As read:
1,32
